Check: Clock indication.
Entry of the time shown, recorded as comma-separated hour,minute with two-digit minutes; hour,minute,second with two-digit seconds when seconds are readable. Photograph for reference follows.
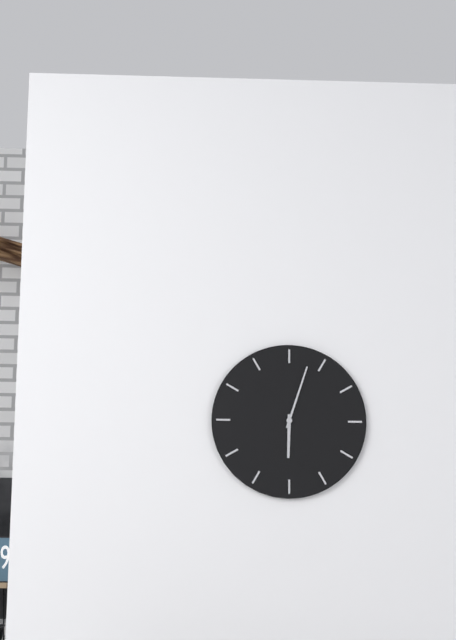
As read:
6,03
